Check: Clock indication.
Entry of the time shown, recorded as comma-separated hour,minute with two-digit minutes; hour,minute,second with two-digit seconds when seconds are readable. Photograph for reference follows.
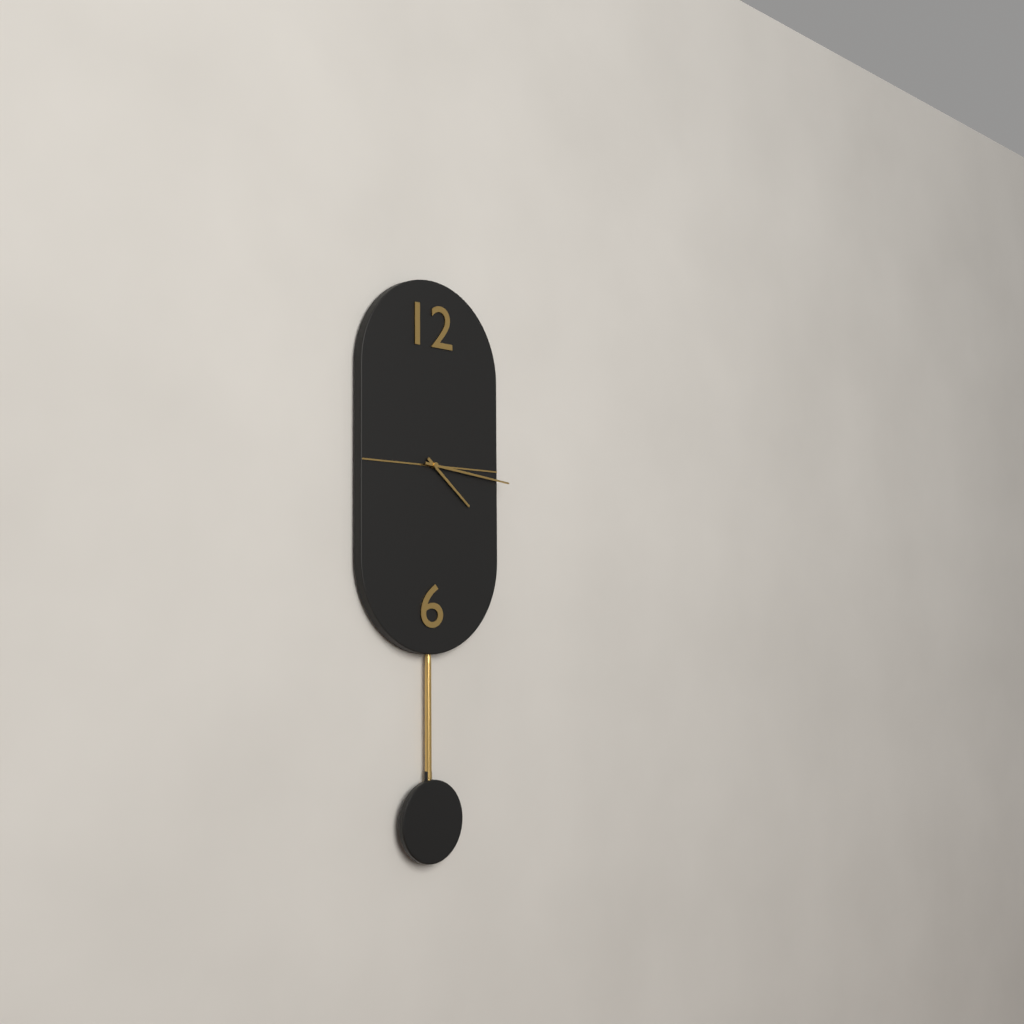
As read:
4,16
